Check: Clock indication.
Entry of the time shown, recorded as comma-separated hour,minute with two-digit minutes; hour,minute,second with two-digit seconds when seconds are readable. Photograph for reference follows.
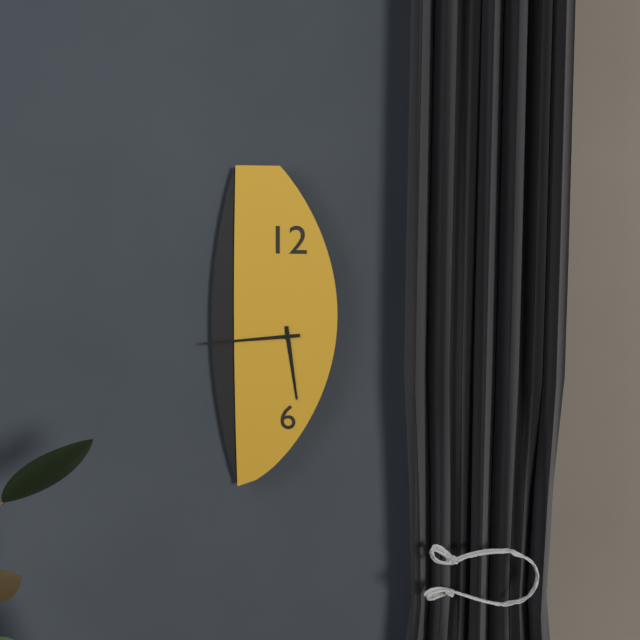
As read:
5,44
